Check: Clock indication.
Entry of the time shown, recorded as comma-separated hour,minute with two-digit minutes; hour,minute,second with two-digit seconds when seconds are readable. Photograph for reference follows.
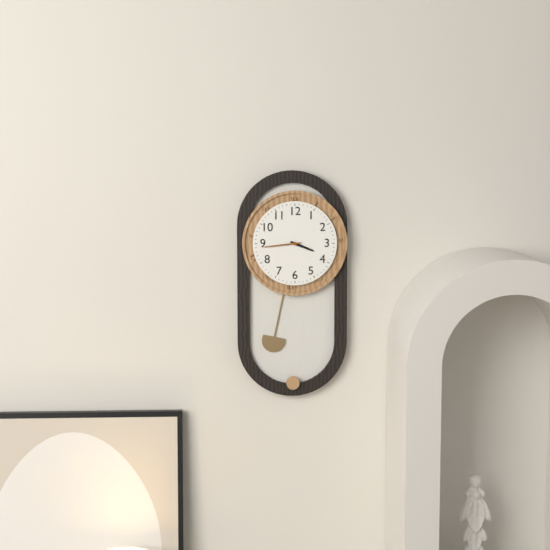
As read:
3,44
